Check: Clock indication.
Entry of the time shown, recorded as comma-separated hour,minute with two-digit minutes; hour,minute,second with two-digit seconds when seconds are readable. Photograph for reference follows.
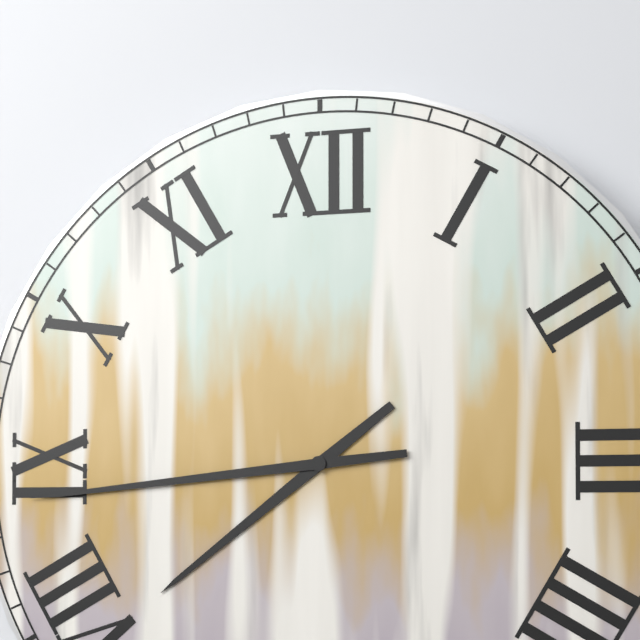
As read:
7,44
